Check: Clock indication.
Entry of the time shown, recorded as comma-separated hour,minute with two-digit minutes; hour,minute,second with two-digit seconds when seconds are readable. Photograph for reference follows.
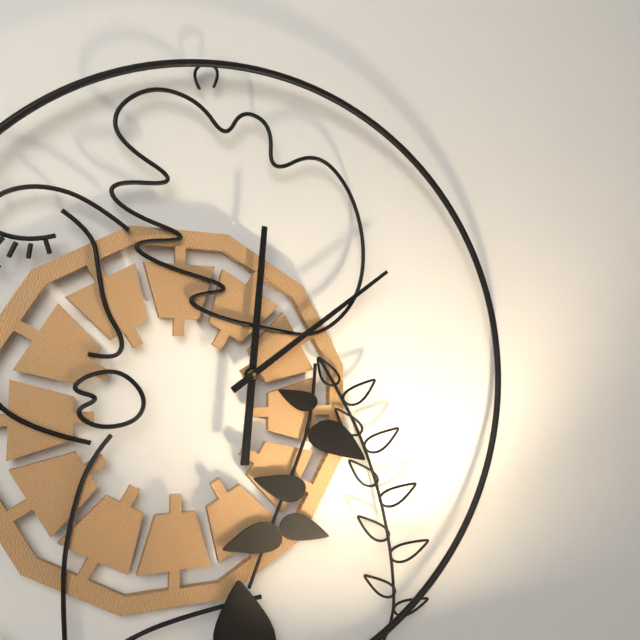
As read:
12,09
